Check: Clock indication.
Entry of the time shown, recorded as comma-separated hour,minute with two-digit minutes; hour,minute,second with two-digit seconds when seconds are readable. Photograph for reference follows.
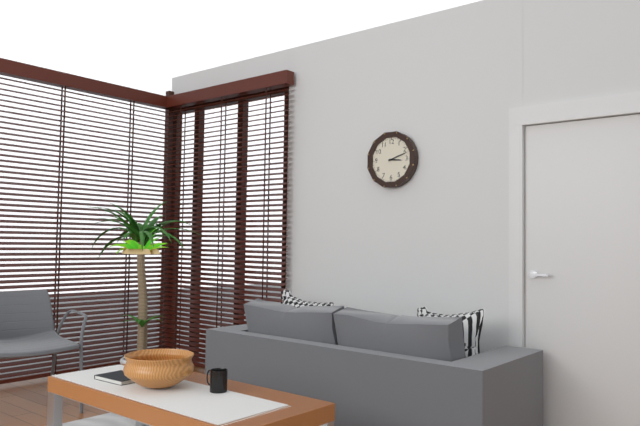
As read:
3,12
